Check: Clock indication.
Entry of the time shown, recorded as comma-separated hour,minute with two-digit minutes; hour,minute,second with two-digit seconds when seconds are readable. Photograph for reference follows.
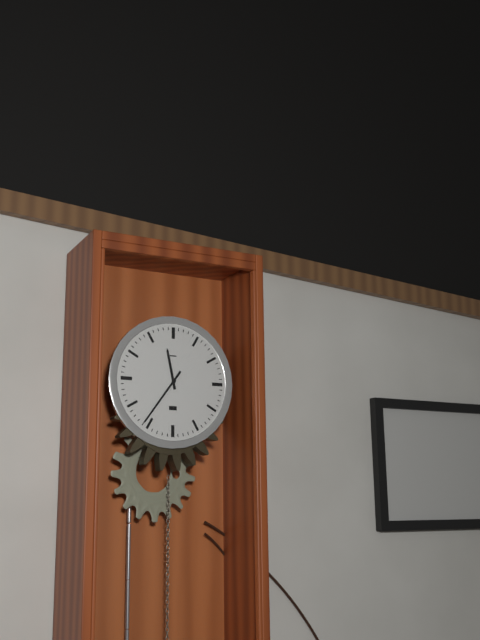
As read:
11,36
